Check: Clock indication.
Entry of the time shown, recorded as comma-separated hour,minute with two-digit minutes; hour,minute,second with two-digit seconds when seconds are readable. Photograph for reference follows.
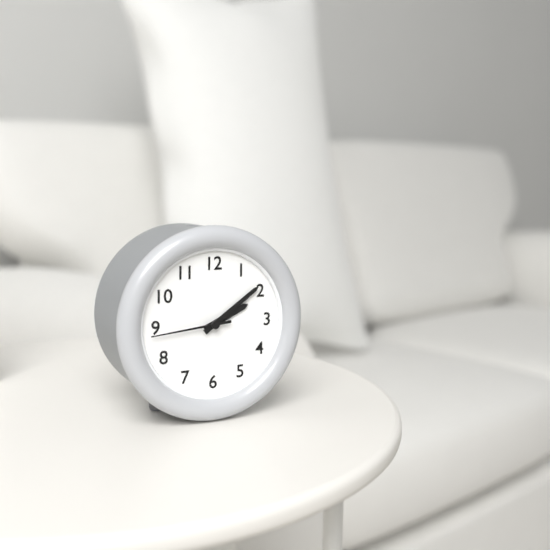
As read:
2,09,44
